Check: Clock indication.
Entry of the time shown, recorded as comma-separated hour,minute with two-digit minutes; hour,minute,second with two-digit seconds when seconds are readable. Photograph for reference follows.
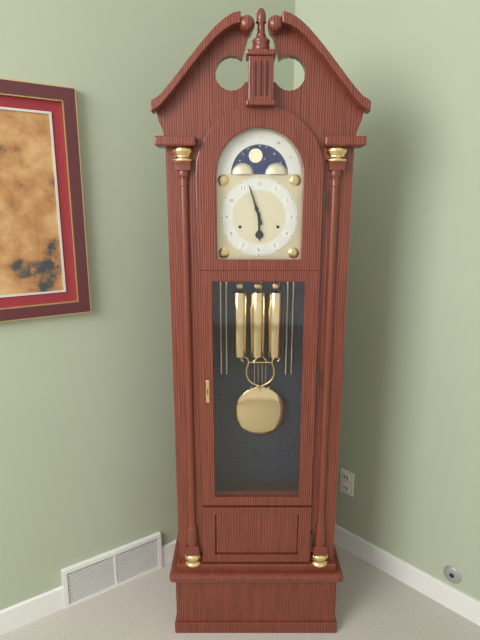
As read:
5,57
